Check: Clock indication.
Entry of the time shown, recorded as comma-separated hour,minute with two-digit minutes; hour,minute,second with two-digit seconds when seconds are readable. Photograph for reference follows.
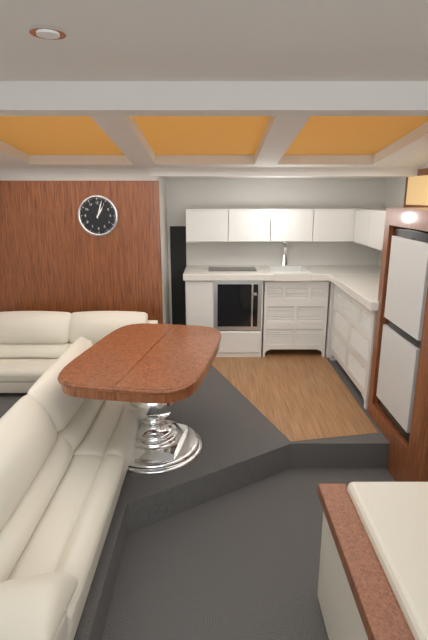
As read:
1,03
